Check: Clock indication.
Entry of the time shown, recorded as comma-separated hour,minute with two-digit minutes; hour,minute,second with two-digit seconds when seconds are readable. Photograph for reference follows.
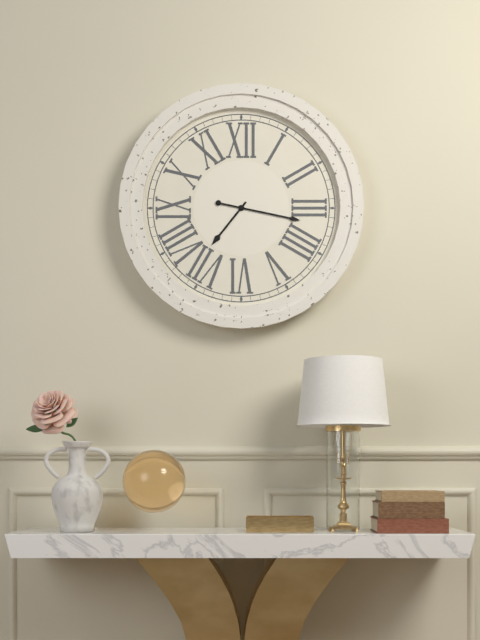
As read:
7,17
